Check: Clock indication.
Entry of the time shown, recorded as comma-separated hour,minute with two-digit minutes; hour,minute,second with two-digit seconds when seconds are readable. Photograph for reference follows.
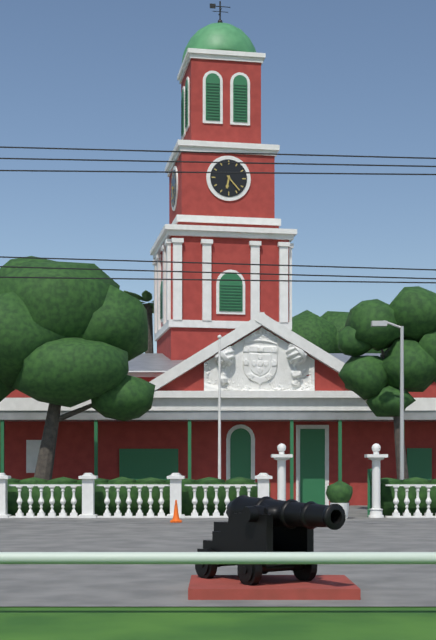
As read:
6,23
